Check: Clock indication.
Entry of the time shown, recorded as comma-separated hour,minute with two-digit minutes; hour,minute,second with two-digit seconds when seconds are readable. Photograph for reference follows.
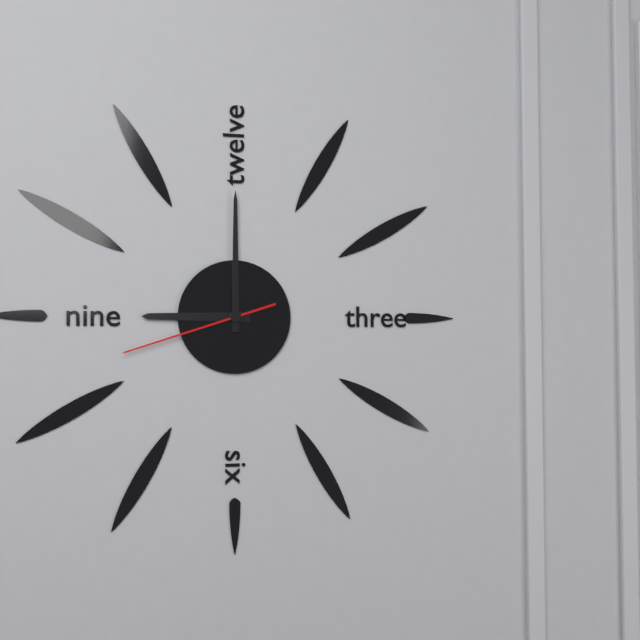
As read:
9,00,42
